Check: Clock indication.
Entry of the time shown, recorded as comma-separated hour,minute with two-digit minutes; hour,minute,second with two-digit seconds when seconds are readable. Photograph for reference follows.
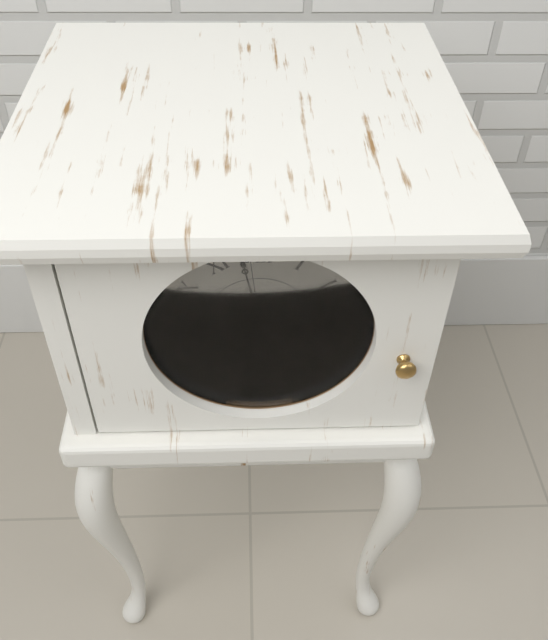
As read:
8,58,59
